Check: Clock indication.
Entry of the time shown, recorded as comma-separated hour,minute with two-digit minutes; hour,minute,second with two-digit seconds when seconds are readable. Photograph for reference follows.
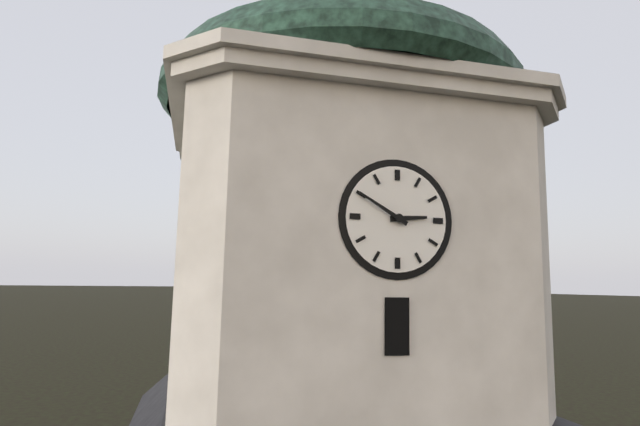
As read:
2,50
